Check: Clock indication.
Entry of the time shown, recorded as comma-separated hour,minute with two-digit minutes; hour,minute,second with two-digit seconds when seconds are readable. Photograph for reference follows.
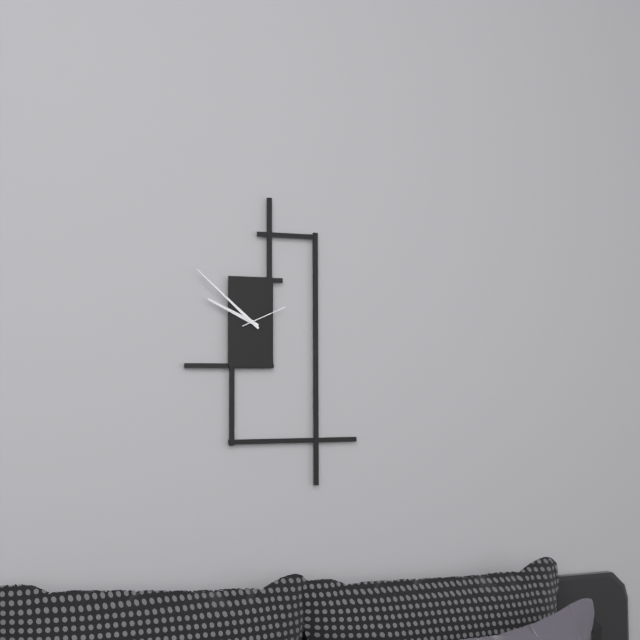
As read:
9,52
